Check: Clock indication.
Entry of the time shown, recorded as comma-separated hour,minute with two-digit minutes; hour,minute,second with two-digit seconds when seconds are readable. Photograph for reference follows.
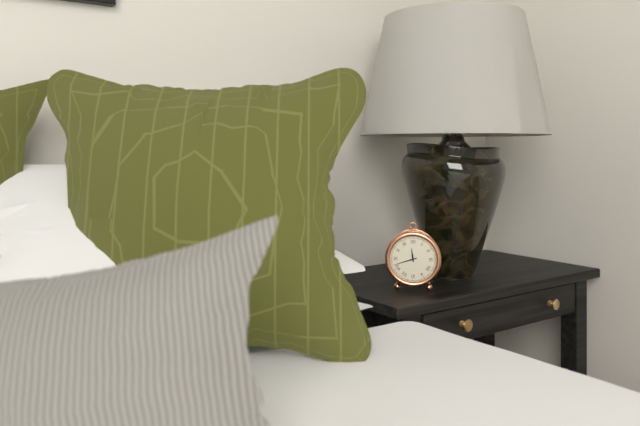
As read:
11,42
